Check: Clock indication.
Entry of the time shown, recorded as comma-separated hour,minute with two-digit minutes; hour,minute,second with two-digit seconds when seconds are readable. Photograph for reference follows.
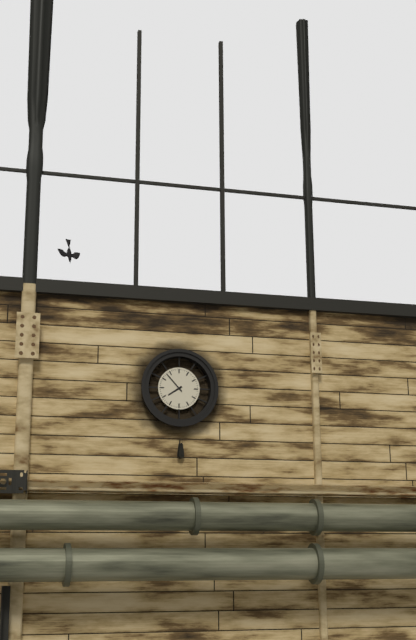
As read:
7,53
